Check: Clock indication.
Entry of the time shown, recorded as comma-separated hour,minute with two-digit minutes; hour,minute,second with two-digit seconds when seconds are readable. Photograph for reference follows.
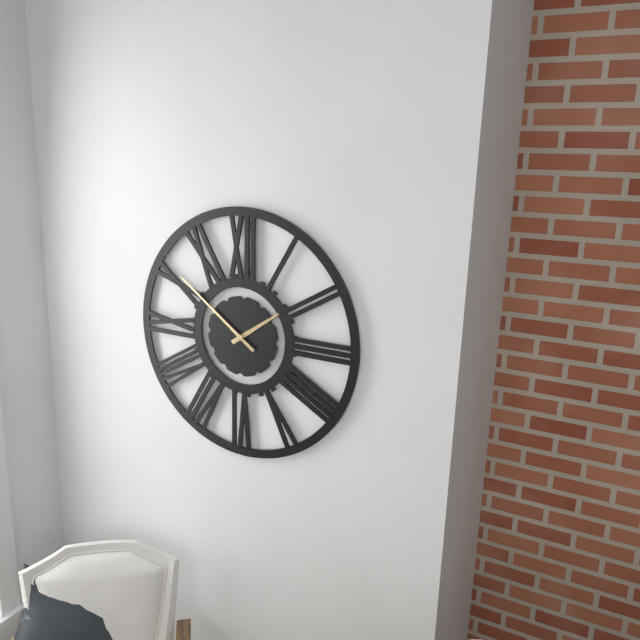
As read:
1,51
